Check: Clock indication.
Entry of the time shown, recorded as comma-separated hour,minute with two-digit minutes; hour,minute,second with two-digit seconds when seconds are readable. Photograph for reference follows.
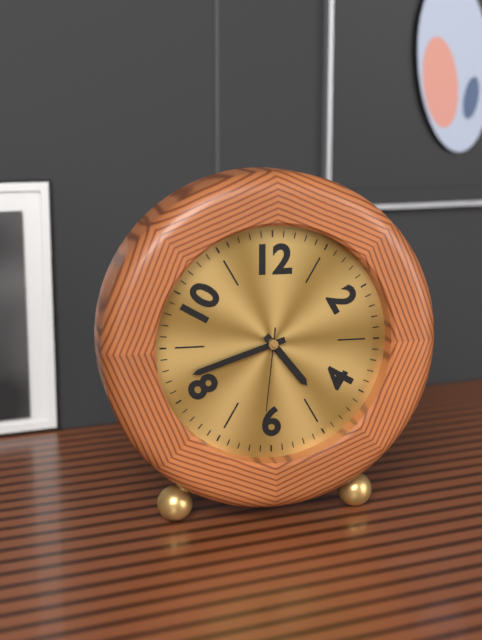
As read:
4,42,31
